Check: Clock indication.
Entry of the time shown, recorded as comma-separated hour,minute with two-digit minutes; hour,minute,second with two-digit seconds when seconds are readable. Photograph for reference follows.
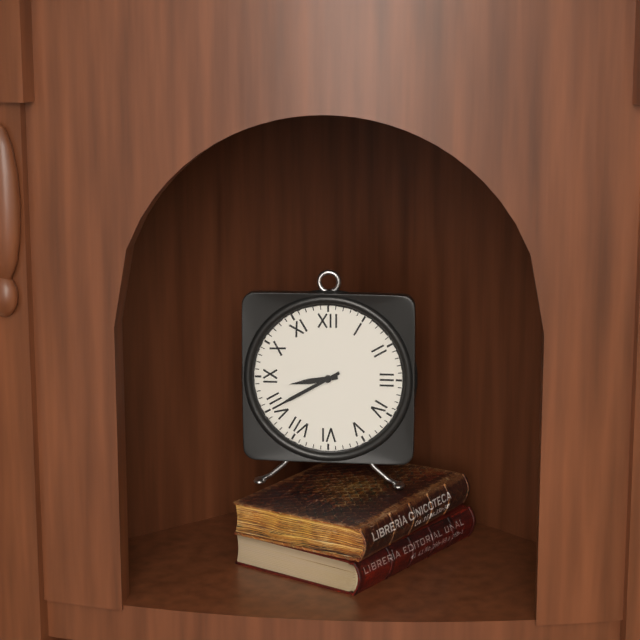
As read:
8,40
